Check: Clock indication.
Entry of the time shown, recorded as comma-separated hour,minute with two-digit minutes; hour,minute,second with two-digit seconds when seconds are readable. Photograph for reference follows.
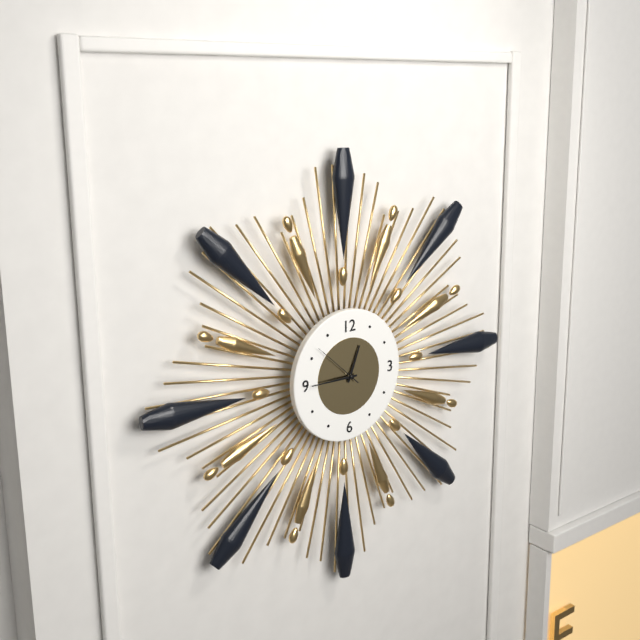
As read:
12,45,52
